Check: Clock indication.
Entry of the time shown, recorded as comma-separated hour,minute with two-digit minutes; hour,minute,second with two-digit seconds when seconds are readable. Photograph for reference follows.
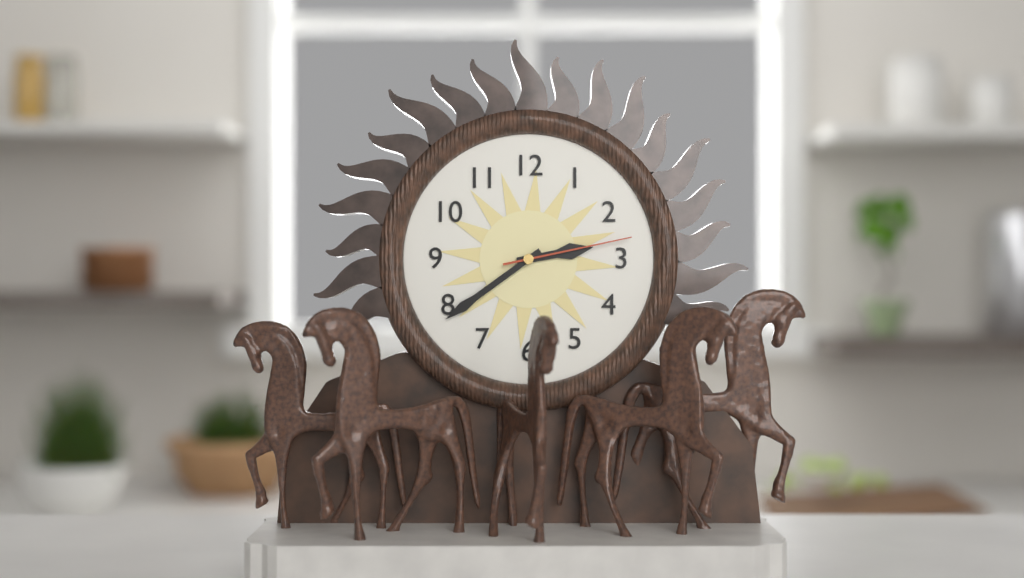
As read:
2,39,13
